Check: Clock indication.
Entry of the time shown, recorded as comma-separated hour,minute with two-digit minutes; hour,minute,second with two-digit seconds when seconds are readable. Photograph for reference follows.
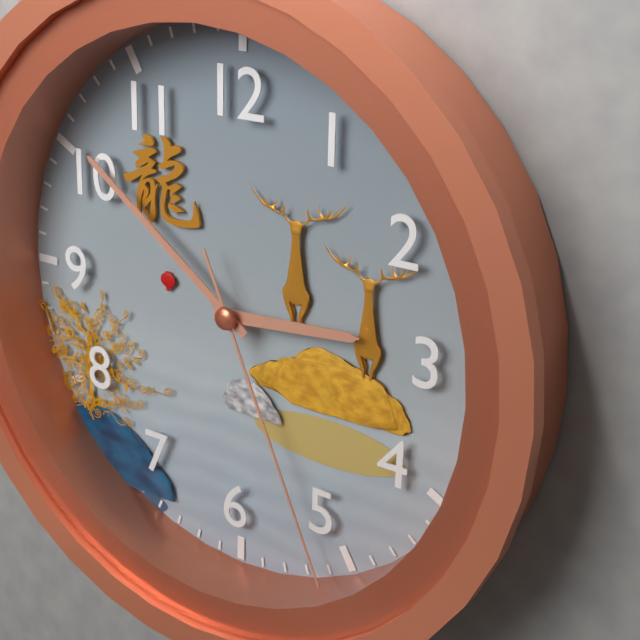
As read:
2,51,26
